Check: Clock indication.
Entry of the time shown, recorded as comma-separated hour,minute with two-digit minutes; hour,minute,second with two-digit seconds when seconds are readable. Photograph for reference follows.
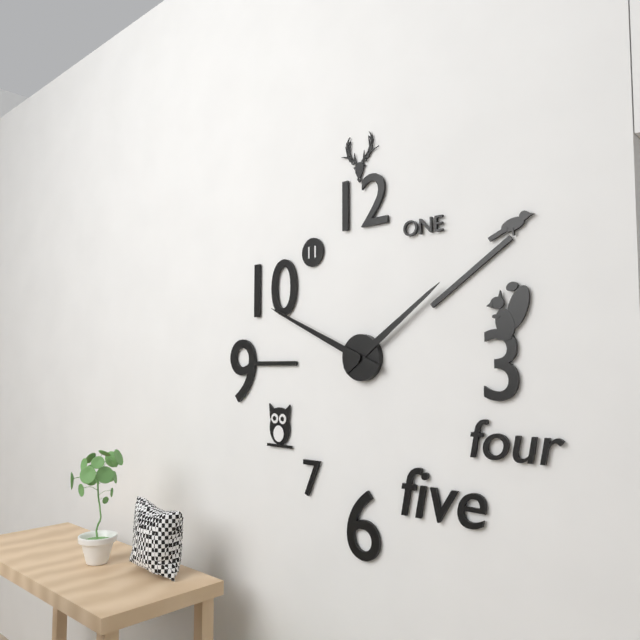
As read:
1,49
